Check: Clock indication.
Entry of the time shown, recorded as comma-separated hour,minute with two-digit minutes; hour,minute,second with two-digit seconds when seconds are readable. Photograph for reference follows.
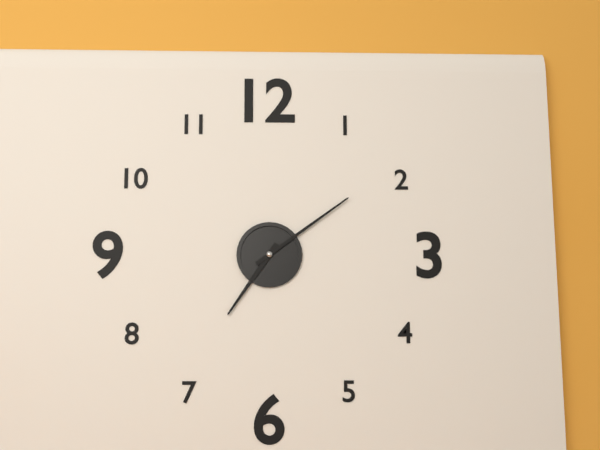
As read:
7,09
